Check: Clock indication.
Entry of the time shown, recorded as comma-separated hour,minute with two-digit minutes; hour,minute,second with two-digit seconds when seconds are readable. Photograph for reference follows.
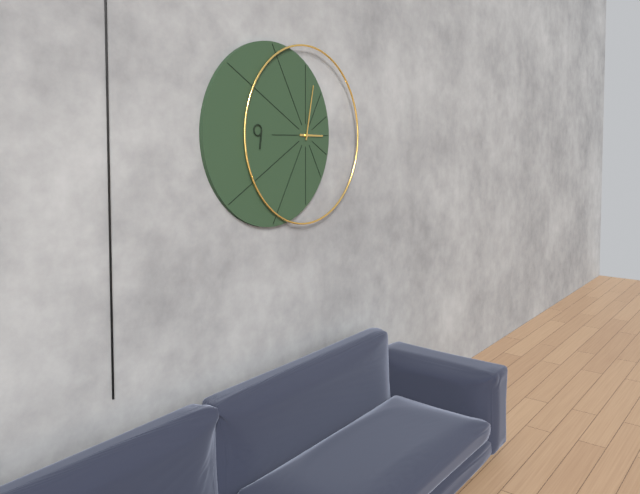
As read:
3,02
